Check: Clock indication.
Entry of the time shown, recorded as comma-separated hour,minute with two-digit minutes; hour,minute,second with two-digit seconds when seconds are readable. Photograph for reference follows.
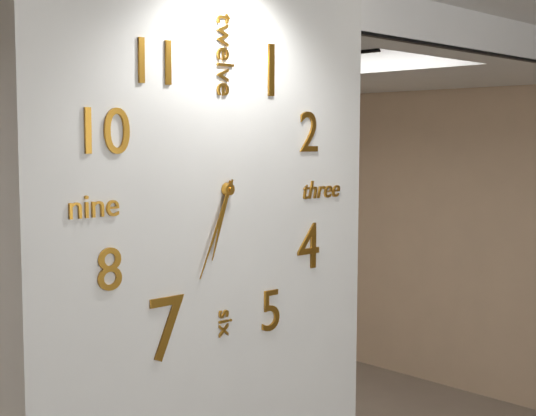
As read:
6,34
